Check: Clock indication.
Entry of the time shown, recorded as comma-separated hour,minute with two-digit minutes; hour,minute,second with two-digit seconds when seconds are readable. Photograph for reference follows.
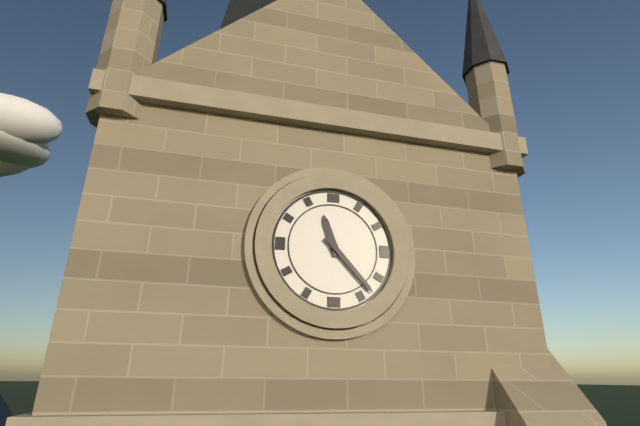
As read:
11,23
